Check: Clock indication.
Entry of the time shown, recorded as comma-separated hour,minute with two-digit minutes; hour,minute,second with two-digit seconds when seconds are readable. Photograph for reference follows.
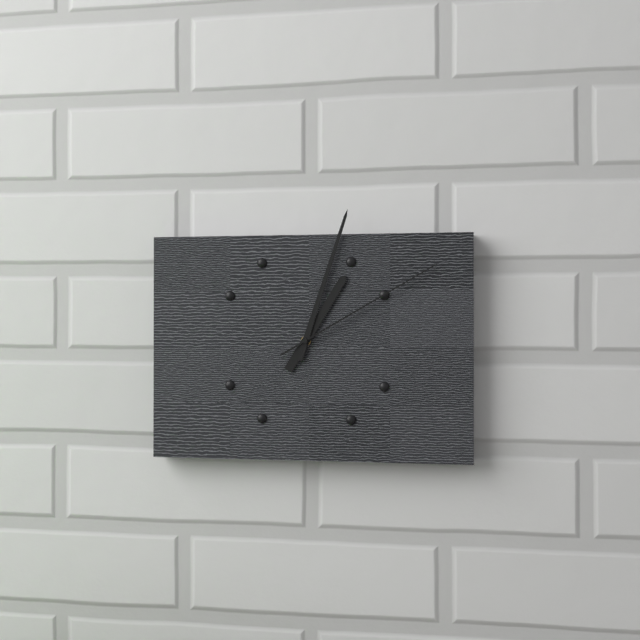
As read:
1,03,10
